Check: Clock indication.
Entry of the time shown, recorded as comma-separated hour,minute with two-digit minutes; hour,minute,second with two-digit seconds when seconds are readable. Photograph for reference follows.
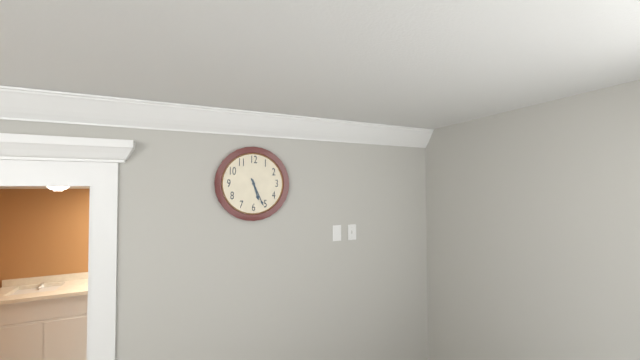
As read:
5,26
